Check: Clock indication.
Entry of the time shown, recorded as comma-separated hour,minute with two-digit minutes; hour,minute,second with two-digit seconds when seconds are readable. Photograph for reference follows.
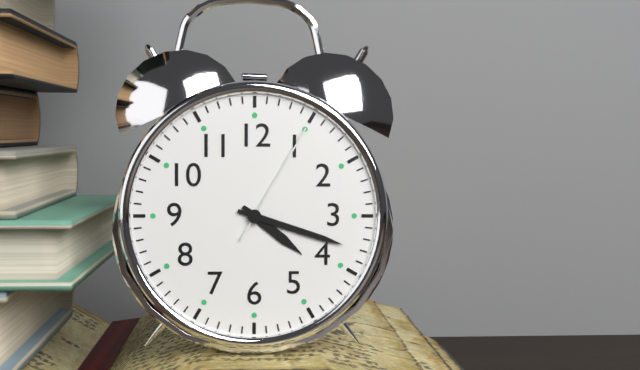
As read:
4,18,05
